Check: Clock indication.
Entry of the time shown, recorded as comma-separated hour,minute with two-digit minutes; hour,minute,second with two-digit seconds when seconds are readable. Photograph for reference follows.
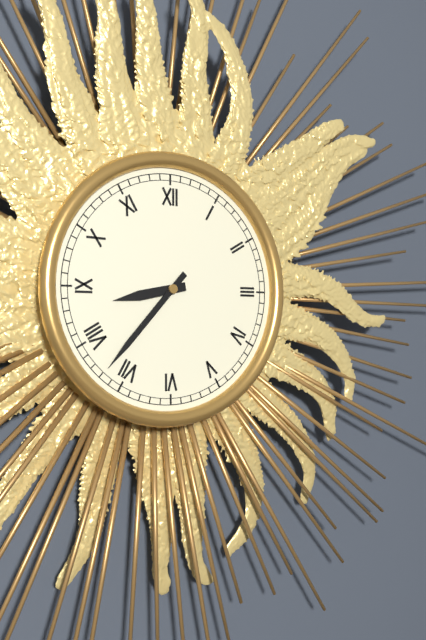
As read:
8,37
